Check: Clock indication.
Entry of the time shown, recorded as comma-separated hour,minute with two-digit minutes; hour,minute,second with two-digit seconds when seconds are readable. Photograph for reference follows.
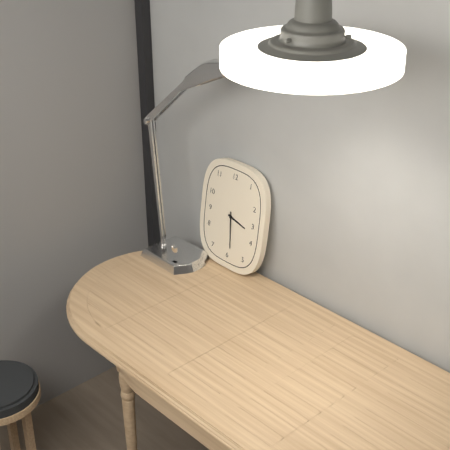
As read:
3,29
